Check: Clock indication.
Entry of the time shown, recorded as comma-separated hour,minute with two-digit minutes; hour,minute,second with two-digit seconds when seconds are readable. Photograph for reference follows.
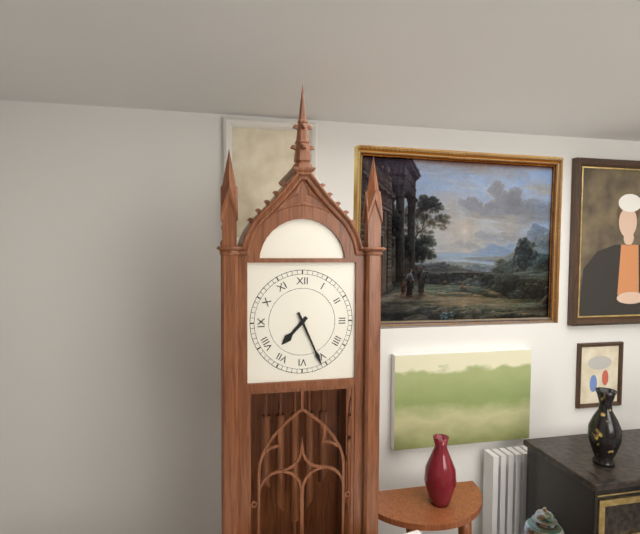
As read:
7,26
